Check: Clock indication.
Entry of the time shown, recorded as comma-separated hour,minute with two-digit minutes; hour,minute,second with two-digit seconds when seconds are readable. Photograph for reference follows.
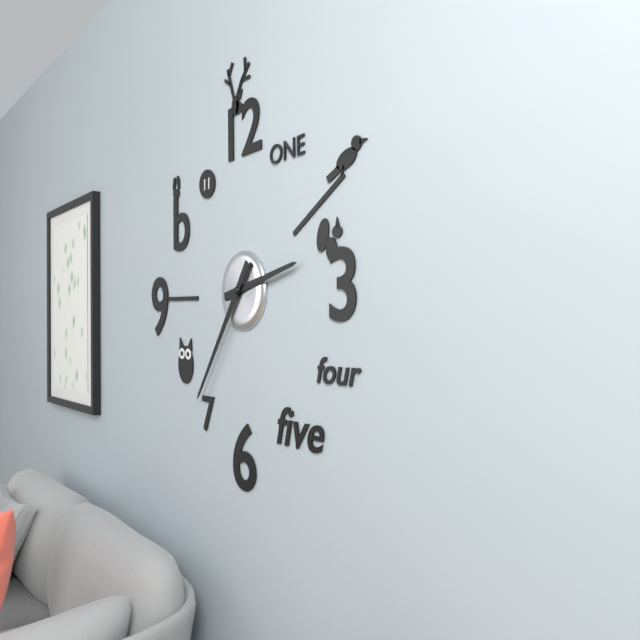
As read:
2,36
